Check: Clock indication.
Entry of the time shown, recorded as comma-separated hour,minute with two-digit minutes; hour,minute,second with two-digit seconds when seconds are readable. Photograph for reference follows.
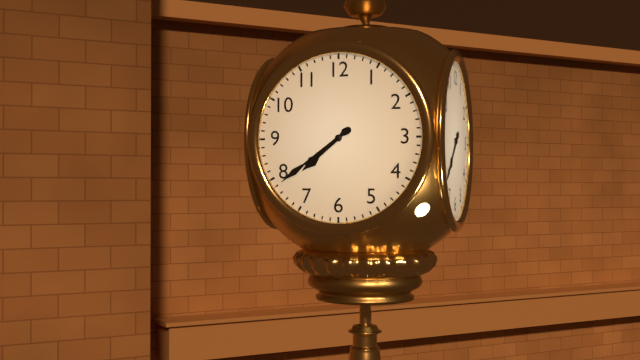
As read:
7,39
